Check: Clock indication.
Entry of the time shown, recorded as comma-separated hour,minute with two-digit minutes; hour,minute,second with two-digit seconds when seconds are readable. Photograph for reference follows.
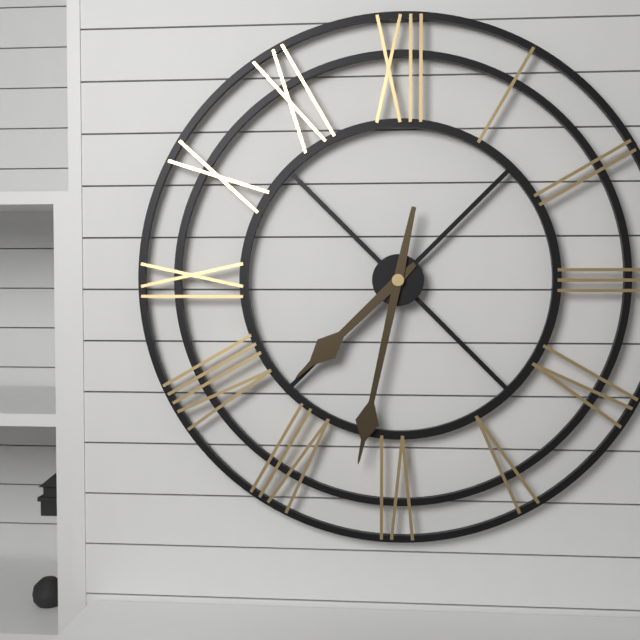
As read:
7,32
